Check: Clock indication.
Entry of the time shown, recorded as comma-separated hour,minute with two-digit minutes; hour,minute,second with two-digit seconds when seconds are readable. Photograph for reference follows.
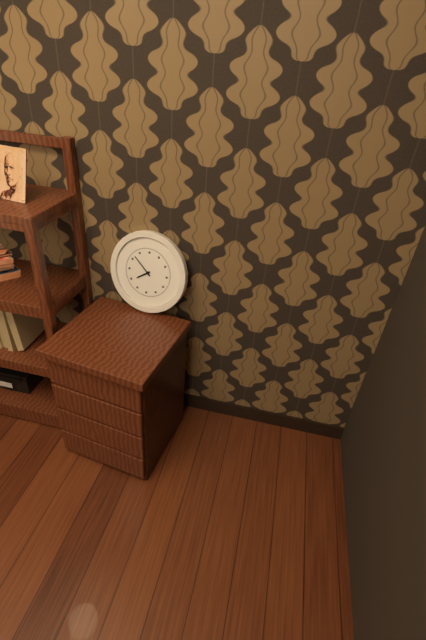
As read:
7,52
